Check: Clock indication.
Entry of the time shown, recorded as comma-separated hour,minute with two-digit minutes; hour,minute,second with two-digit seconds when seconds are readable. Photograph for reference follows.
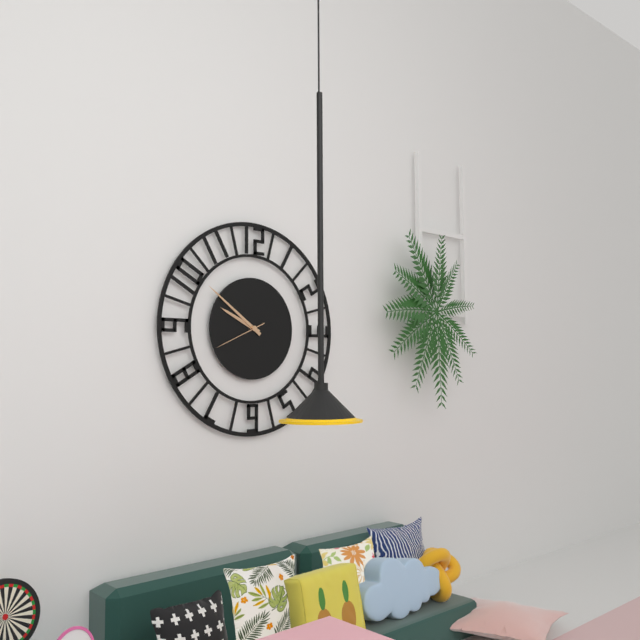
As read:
9,51,41
